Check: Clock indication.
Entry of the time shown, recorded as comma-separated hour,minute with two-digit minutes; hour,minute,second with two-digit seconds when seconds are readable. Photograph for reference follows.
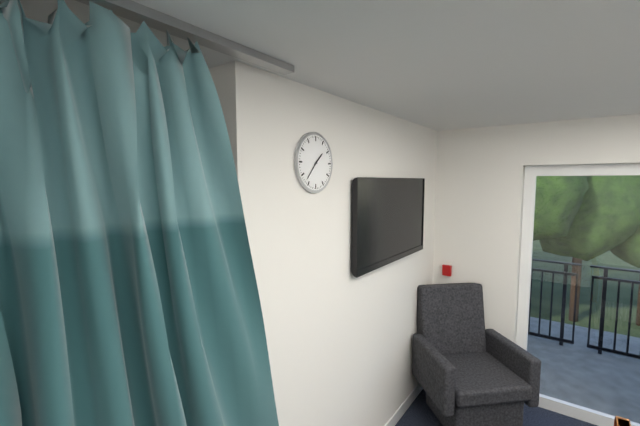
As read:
1,37
